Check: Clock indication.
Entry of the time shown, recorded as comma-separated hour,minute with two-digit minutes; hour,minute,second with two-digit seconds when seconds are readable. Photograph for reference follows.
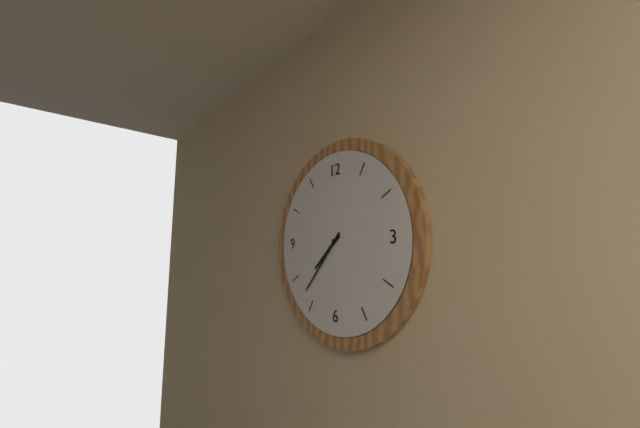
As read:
7,37
